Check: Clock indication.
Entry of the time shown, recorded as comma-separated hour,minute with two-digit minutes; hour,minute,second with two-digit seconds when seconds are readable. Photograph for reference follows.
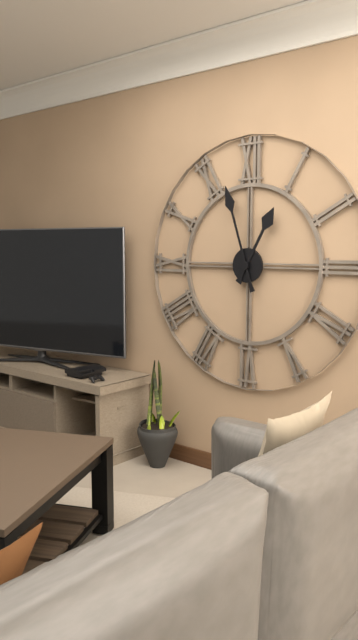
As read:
12,57
